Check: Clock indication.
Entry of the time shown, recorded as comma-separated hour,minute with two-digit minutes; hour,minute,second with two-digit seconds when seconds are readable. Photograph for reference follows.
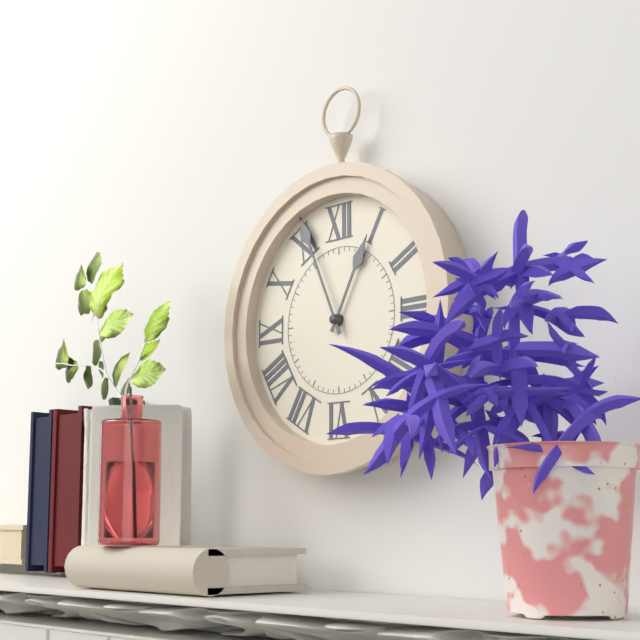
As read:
12,56
